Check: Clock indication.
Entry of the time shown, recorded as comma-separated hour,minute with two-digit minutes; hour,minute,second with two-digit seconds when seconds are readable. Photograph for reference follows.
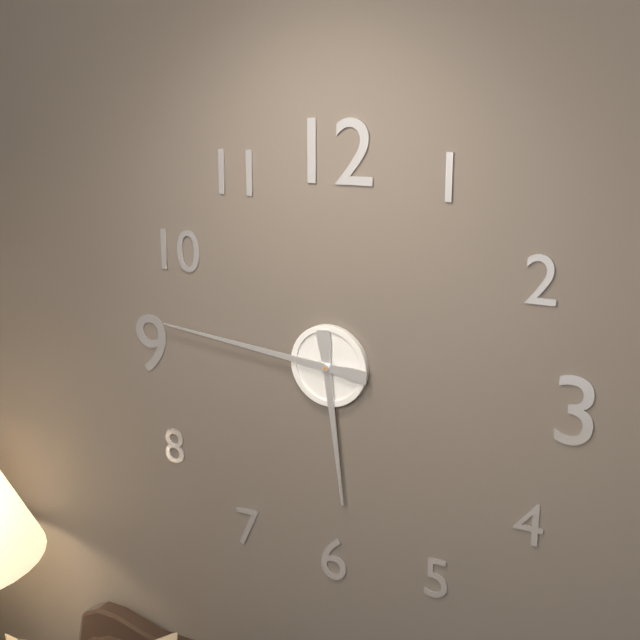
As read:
5,46
